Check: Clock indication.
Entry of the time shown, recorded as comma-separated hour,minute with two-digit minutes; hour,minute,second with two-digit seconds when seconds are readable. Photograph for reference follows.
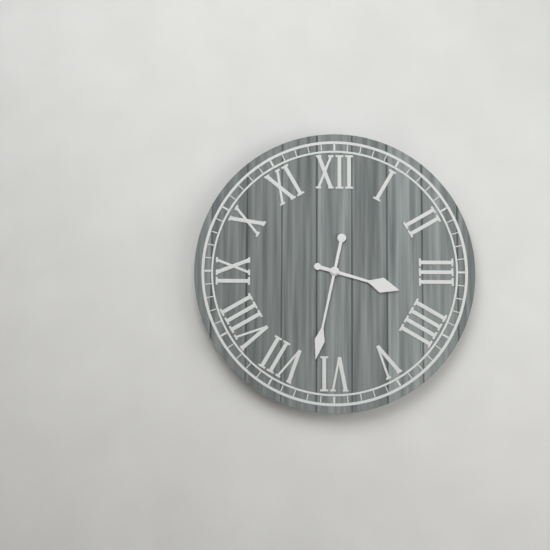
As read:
3,32
